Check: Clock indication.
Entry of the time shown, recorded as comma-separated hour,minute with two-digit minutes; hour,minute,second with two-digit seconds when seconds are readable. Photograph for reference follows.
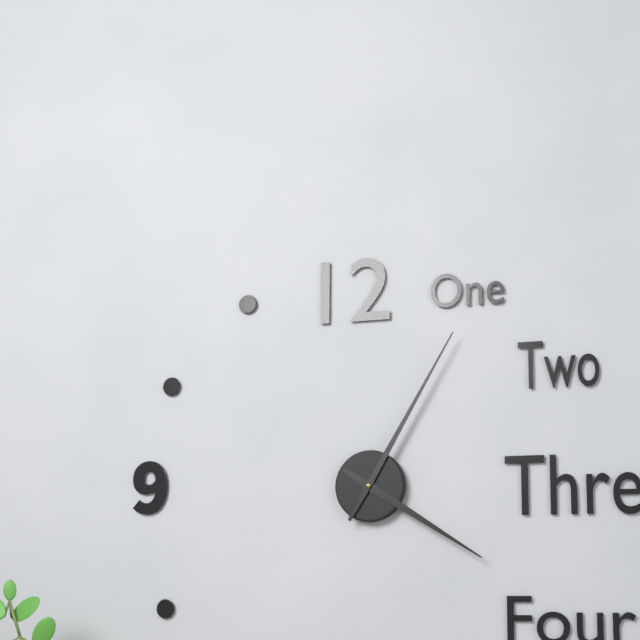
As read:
4,05
